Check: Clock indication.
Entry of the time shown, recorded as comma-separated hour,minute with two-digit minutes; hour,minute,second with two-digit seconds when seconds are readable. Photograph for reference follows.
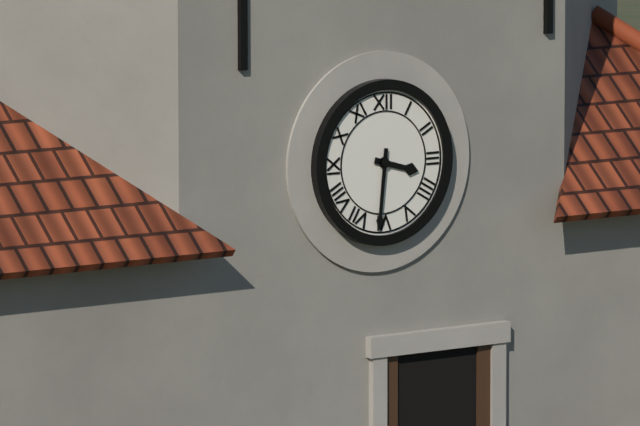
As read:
3,31
